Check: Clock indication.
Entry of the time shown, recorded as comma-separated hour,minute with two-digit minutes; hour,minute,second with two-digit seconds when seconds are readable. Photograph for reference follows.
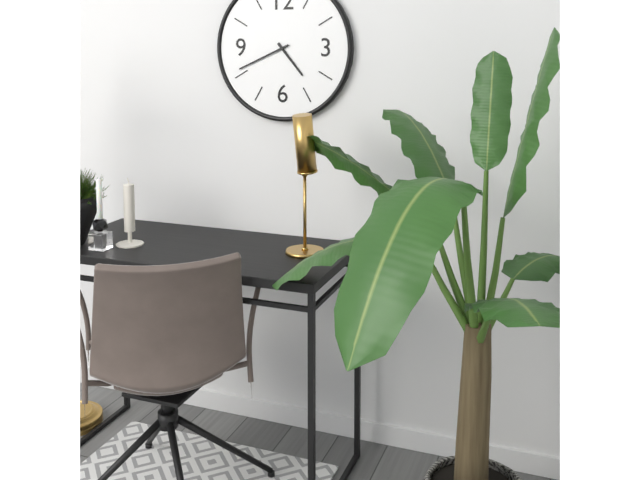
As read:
4,41
